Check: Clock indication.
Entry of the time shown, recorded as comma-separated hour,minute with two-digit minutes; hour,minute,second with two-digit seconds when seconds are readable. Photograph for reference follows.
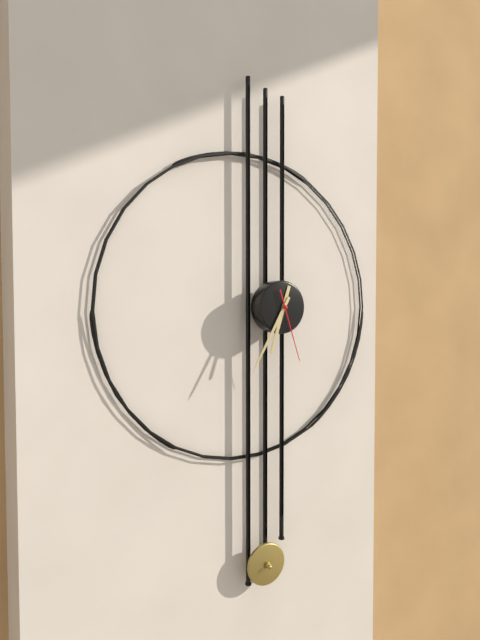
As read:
6,35,27
